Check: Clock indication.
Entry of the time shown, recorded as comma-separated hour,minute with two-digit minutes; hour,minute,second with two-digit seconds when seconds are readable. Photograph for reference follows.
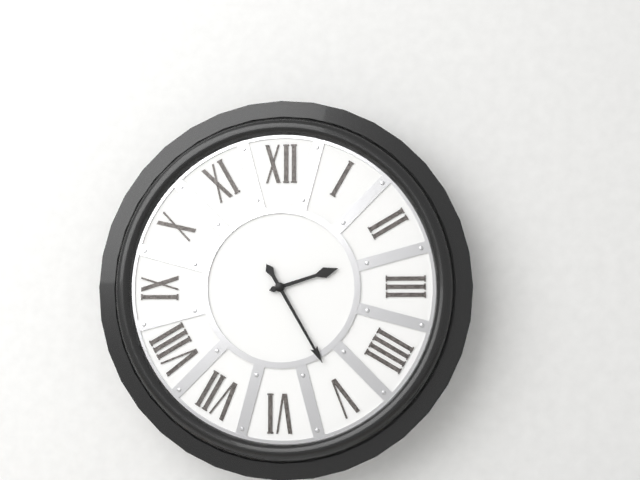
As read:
2,25
